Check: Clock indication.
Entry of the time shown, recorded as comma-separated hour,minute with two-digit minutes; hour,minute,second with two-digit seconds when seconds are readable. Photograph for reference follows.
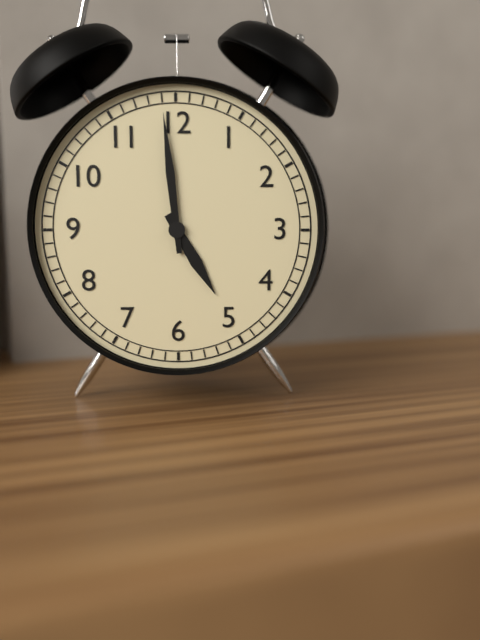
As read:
4,59
